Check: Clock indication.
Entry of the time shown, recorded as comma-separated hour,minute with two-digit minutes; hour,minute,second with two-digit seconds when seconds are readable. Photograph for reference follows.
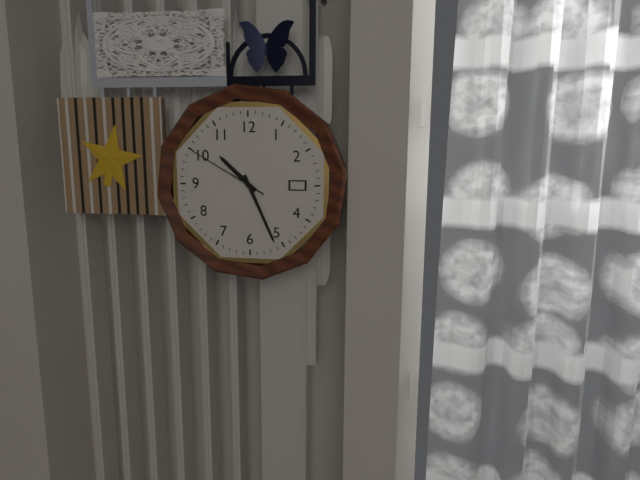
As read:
10,26,50
